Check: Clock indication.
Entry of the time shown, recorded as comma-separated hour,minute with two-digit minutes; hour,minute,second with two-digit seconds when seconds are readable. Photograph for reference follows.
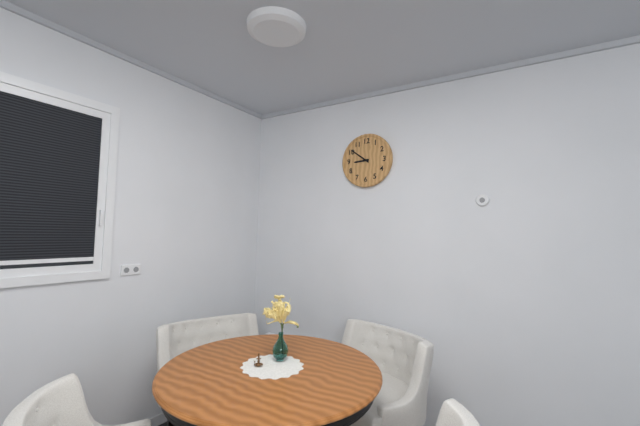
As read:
8,51
